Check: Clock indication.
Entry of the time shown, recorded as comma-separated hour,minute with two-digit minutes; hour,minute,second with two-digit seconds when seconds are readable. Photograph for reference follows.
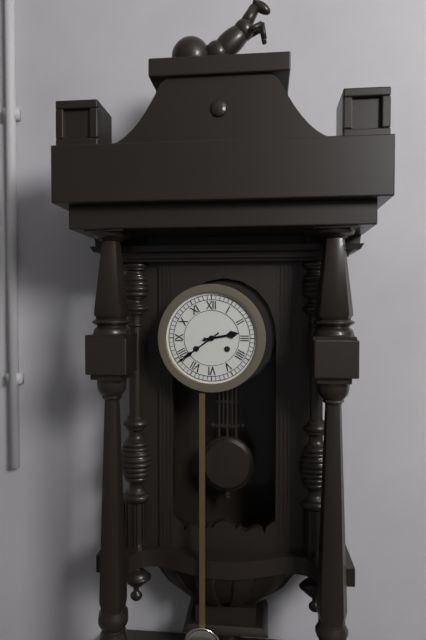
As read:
2,39
